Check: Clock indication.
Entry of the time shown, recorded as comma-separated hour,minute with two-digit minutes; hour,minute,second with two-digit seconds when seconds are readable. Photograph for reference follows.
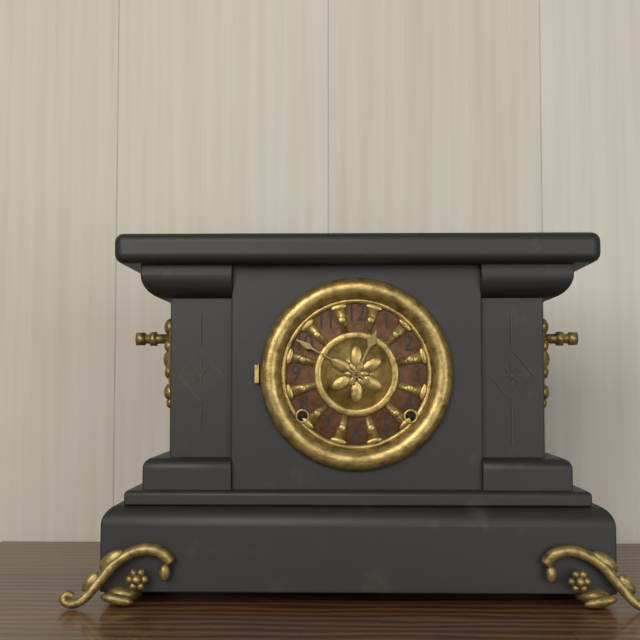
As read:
12,50
